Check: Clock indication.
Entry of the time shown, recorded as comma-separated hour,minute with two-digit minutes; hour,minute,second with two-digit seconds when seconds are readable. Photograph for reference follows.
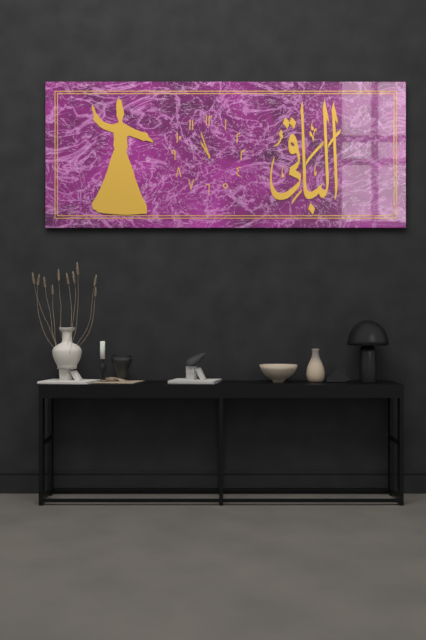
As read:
10,57
